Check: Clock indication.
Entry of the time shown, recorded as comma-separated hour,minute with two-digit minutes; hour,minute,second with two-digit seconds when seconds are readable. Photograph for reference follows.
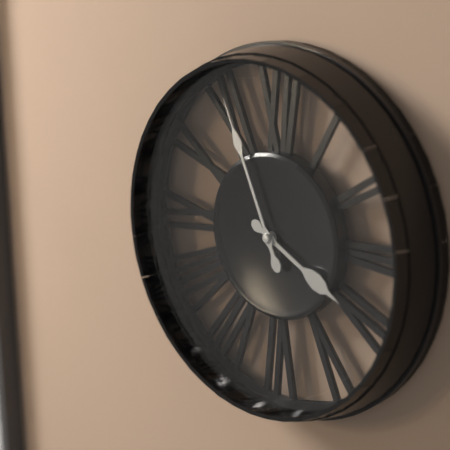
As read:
3,56
